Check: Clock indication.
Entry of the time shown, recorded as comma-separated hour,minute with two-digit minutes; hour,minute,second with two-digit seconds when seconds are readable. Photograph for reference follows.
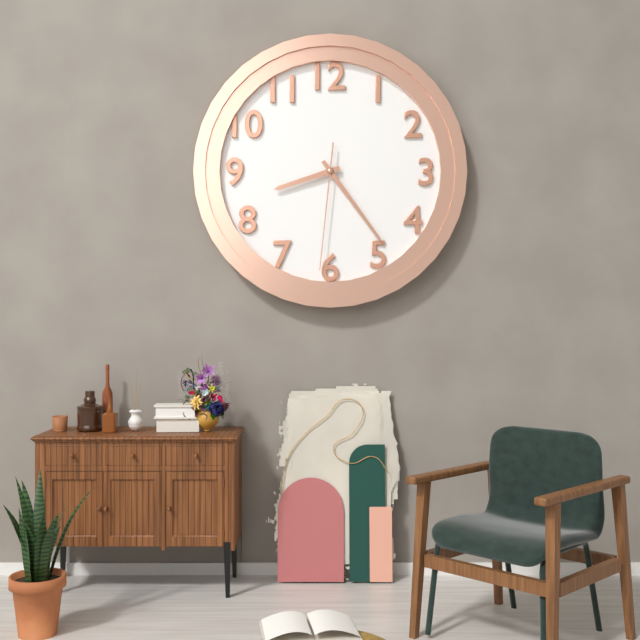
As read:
8,24,31
